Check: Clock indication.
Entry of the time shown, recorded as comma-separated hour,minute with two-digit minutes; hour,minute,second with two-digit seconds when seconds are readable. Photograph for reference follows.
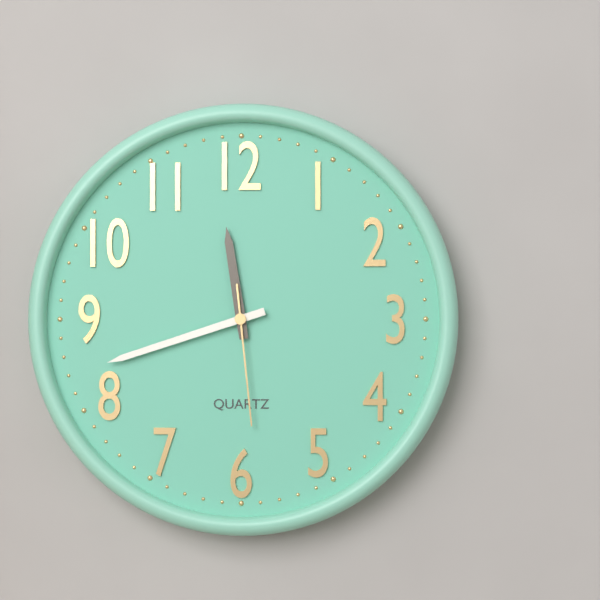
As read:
11,42,29
